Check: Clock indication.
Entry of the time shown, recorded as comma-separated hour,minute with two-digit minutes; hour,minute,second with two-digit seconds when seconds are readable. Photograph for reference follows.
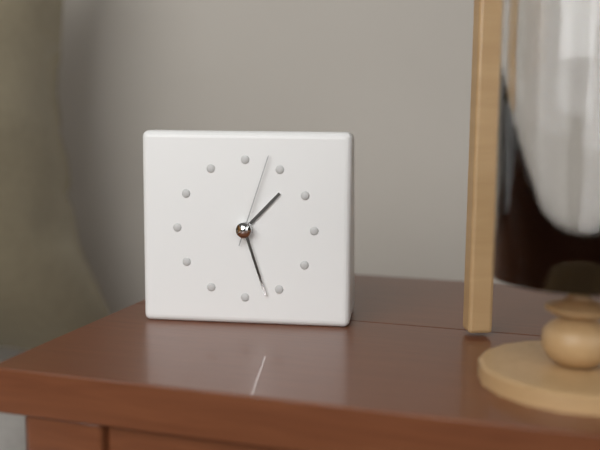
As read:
1,27,03
